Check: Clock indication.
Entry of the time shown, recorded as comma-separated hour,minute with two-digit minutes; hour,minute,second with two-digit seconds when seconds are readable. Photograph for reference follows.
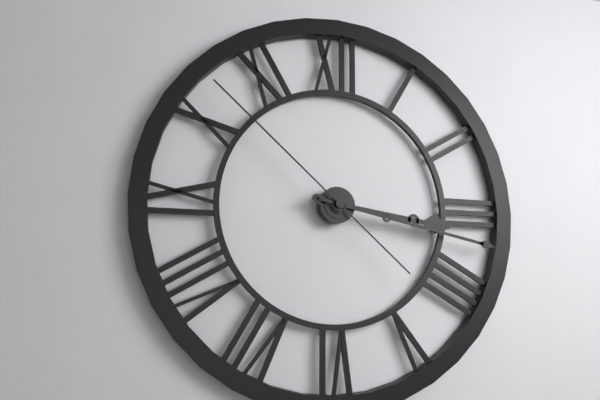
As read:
3,17,52
